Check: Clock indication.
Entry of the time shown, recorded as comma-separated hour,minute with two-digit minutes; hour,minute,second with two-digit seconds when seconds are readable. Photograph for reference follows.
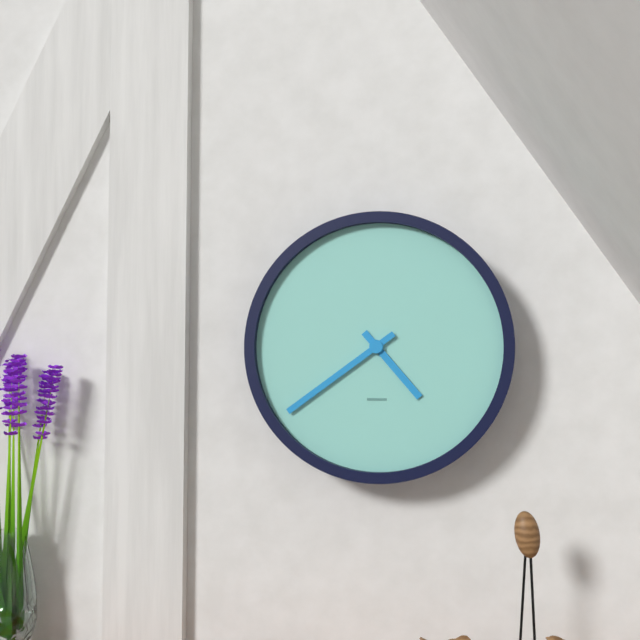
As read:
4,39
